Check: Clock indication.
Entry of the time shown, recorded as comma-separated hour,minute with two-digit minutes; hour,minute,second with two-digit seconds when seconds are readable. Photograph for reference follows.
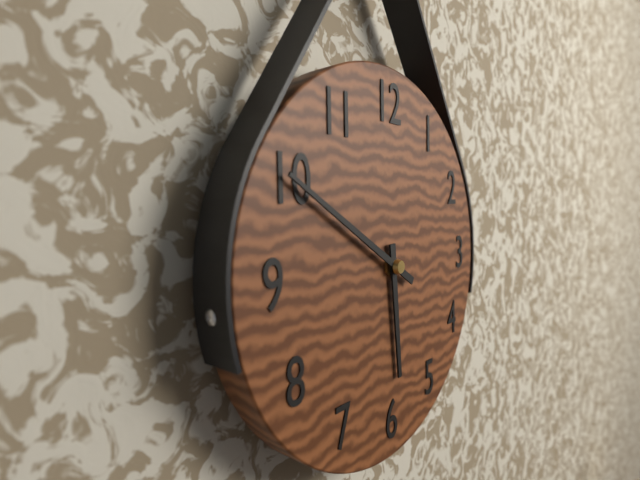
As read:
5,50
